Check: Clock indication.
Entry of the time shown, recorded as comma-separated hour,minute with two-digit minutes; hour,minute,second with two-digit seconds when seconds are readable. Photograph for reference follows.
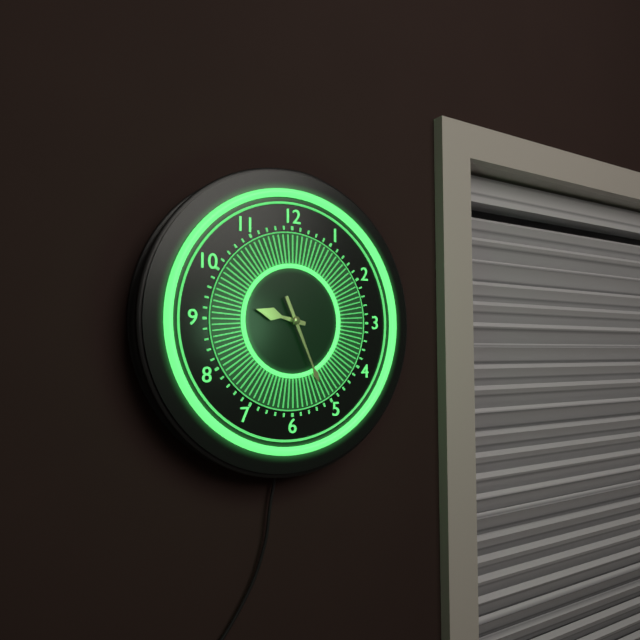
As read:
9,26
